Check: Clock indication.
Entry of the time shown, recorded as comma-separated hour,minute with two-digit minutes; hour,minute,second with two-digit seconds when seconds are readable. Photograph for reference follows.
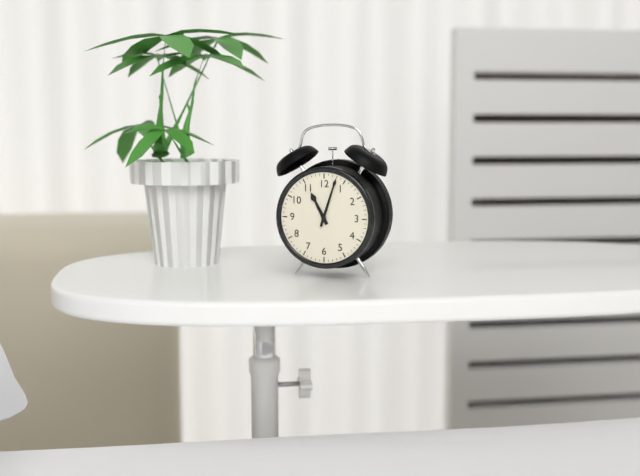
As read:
11,03
